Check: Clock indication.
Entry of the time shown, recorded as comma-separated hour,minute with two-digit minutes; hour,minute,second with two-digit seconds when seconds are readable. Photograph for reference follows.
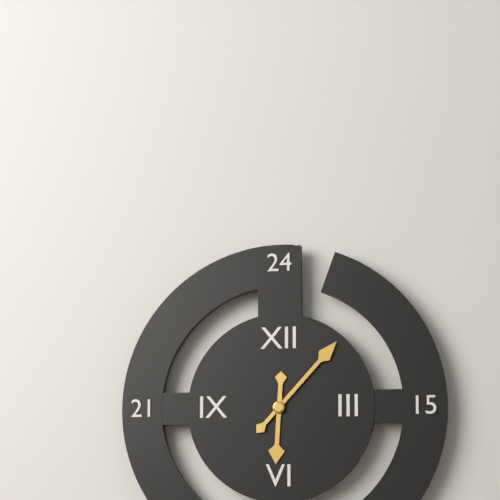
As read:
6,07
